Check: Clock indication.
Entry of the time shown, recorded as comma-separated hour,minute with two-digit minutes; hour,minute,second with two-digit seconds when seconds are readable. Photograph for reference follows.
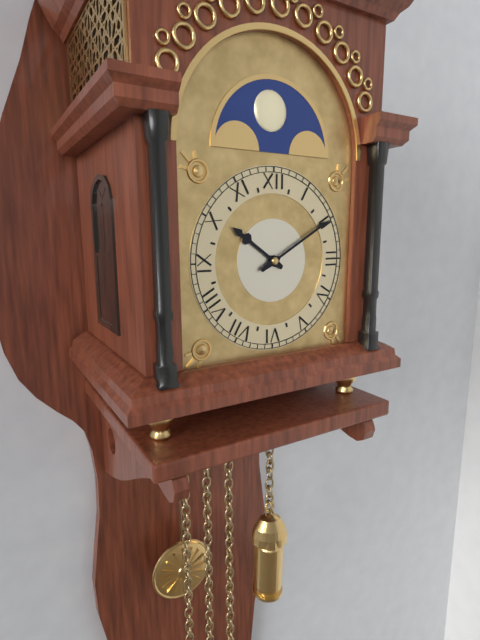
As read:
10,10
